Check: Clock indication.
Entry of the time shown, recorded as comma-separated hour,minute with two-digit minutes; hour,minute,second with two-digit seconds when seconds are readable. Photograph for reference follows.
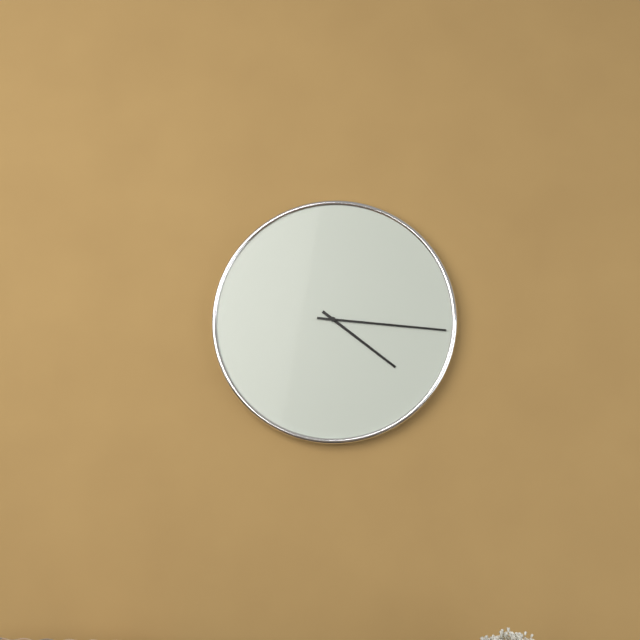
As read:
4,16
